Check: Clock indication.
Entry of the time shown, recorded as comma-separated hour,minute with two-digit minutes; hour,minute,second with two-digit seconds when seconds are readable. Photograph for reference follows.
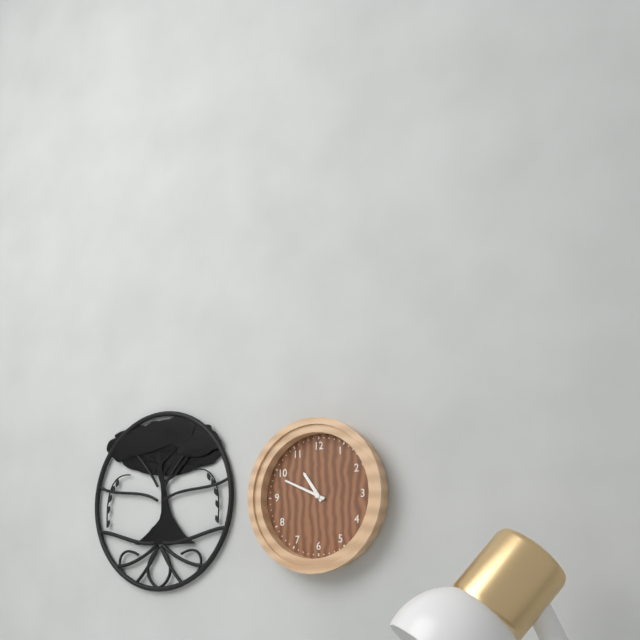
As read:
10,49
